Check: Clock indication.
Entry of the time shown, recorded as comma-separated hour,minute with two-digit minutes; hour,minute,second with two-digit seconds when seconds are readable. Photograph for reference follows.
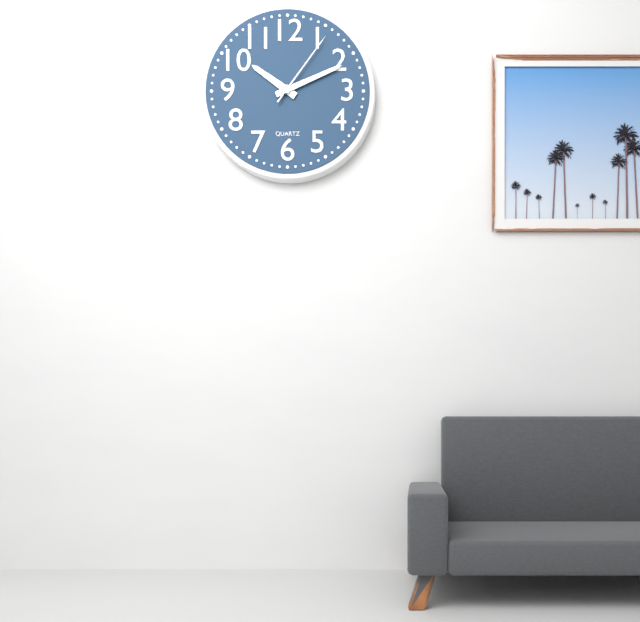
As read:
10,11,06
